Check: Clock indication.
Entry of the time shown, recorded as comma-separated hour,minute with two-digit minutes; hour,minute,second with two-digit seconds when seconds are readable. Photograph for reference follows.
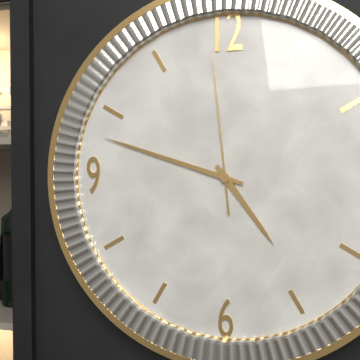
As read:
4,48,59
